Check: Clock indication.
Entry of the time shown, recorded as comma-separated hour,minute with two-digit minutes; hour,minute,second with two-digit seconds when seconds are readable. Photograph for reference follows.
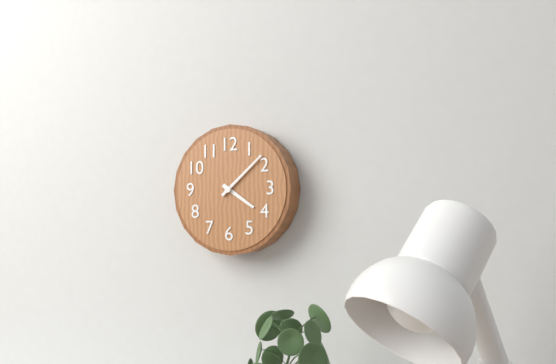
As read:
4,08
